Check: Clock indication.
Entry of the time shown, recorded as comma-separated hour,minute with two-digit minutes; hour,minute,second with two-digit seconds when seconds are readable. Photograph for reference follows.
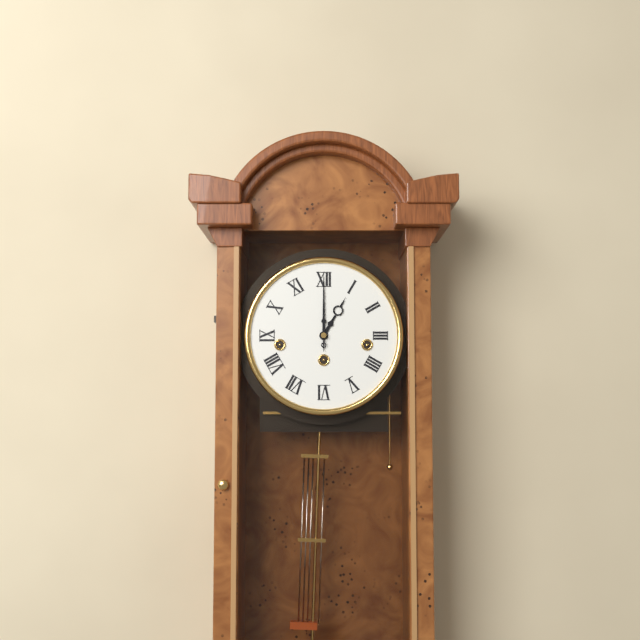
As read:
1,00
